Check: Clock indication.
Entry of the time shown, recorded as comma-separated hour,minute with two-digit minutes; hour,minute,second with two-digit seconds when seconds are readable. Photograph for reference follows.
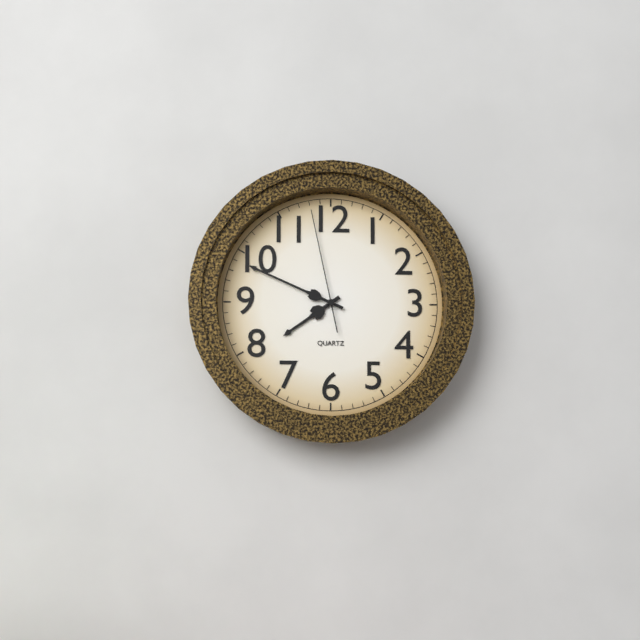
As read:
7,49,58
